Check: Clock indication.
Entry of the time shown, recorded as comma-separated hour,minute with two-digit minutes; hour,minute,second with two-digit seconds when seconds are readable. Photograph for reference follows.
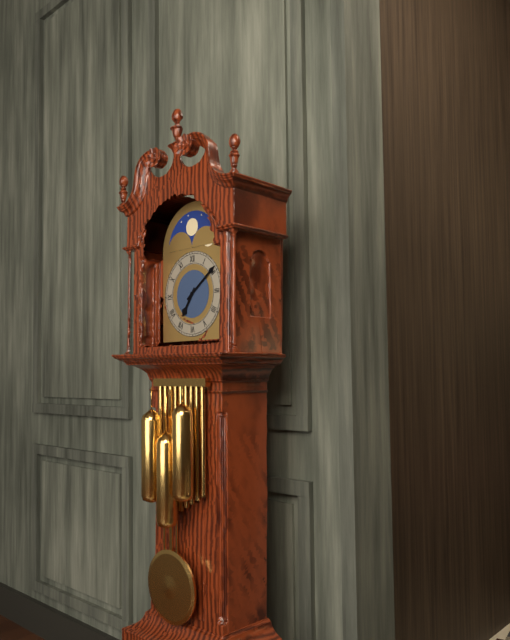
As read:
7,09
